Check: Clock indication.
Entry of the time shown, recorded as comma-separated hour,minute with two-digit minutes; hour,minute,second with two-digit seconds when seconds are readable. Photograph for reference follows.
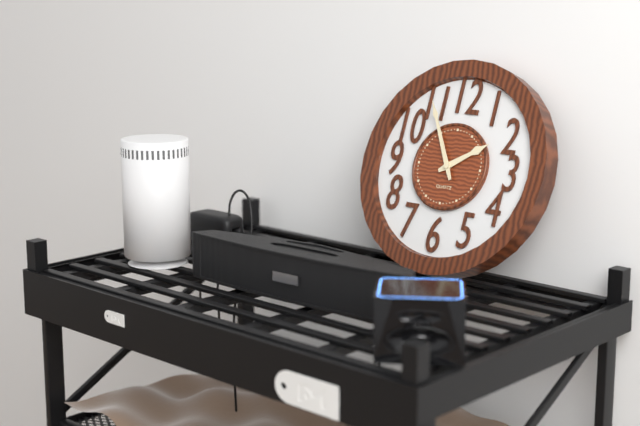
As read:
1,55
